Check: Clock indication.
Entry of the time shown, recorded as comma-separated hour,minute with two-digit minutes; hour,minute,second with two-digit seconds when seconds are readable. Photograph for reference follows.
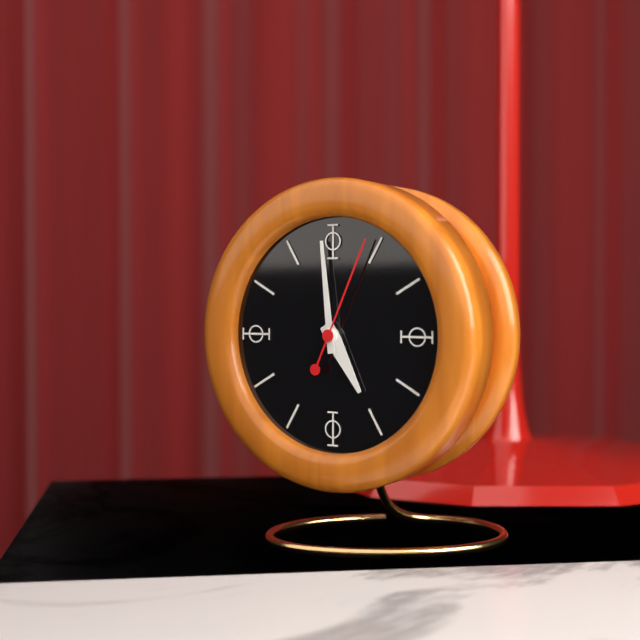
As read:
4,59,04
